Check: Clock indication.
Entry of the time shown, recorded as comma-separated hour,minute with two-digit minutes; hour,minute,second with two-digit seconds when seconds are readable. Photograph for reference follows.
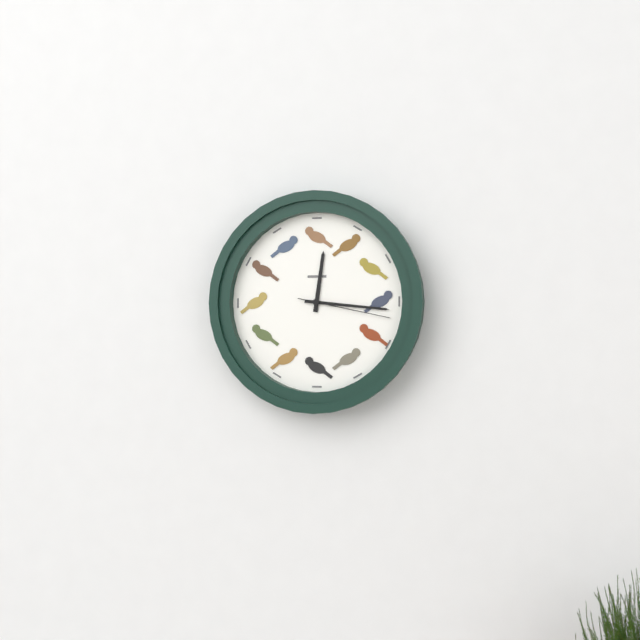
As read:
12,16,17
